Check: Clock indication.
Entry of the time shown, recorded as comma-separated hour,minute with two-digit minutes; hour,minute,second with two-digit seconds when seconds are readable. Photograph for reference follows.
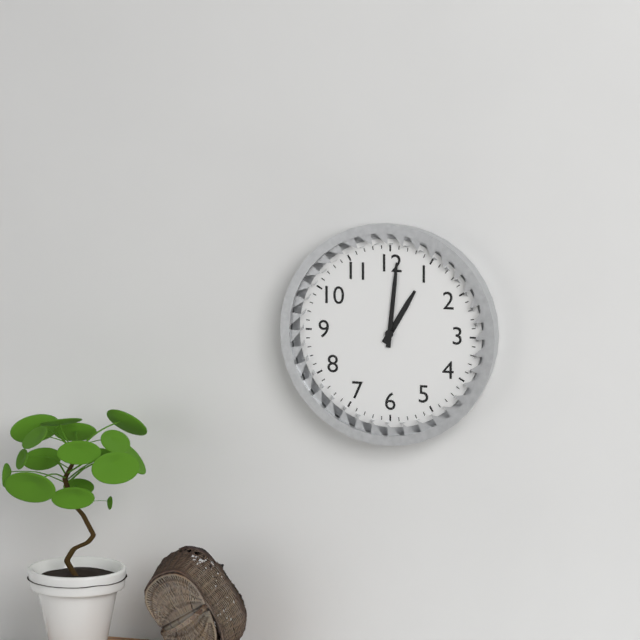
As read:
1,01
